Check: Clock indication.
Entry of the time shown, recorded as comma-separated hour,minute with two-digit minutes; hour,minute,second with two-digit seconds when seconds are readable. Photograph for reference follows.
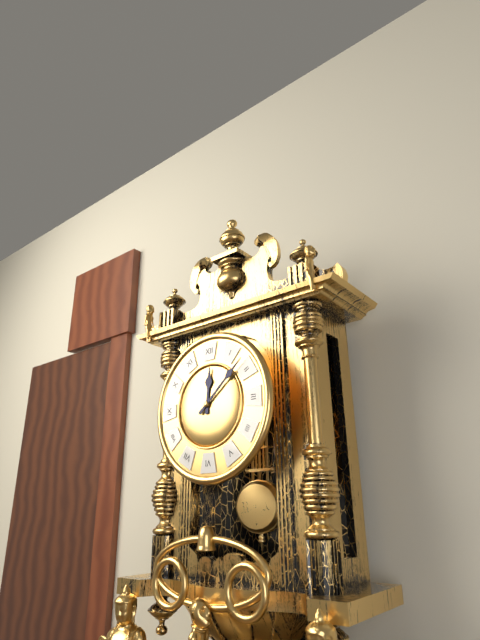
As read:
12,08
